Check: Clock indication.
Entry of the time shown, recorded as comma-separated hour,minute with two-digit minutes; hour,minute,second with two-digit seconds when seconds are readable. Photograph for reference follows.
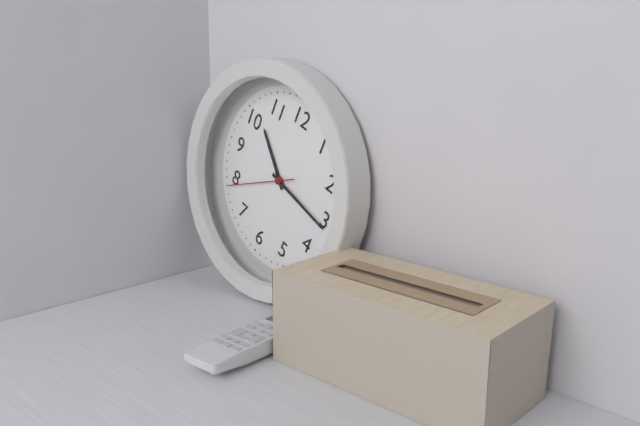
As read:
10,16,39
